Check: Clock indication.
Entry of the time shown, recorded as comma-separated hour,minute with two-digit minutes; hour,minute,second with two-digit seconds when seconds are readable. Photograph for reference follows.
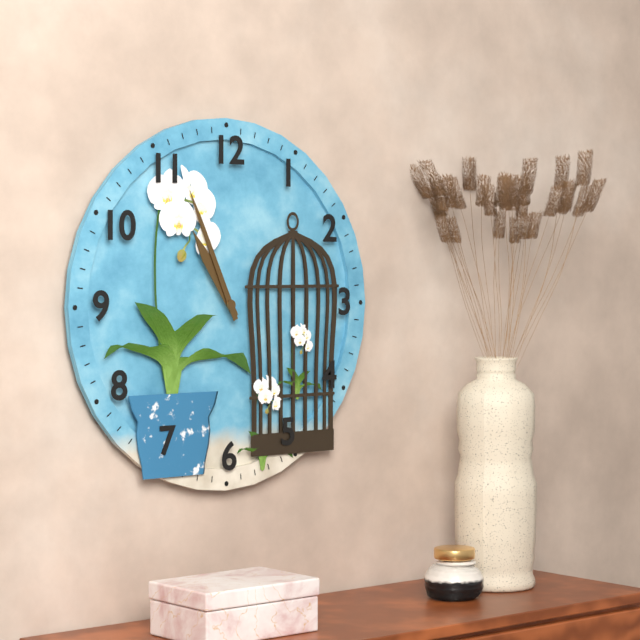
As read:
10,56
